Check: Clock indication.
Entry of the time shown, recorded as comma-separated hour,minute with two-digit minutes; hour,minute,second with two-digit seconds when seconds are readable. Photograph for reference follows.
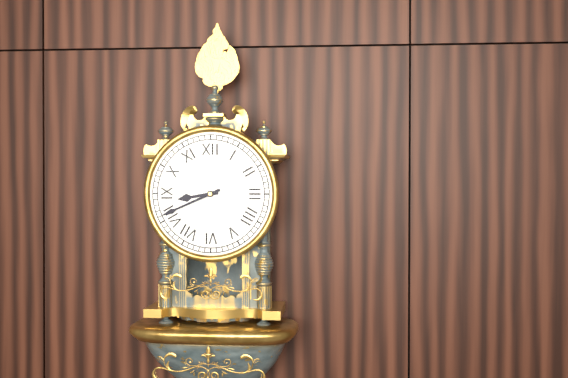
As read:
8,41
